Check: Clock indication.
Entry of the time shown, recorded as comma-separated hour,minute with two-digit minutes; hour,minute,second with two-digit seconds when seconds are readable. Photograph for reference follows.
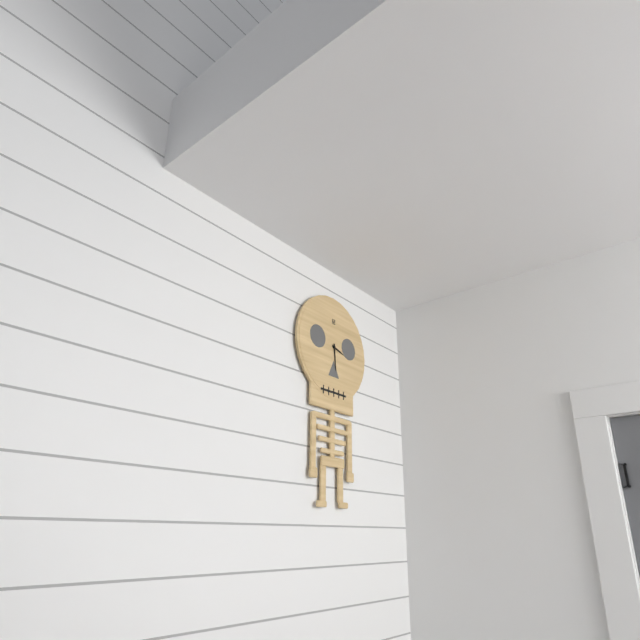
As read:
3,29
